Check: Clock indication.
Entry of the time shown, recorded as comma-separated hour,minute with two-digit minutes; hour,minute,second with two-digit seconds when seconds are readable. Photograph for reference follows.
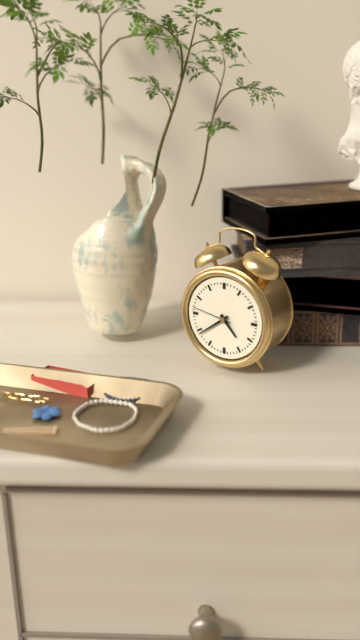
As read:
4,39
